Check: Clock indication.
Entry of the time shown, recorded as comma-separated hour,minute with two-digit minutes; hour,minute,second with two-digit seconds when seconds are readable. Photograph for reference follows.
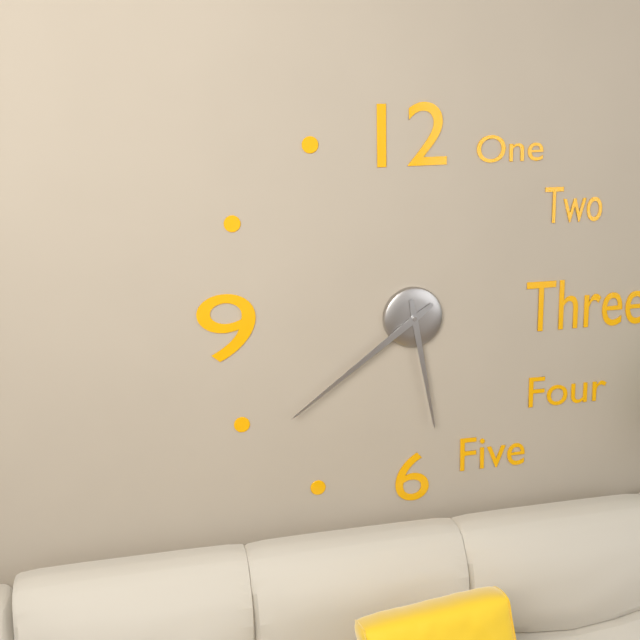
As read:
5,39
